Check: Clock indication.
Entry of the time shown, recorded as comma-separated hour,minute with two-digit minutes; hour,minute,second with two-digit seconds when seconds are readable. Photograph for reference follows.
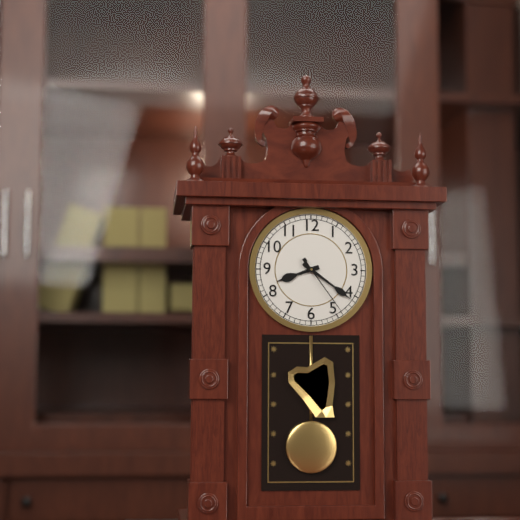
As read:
8,21,24
